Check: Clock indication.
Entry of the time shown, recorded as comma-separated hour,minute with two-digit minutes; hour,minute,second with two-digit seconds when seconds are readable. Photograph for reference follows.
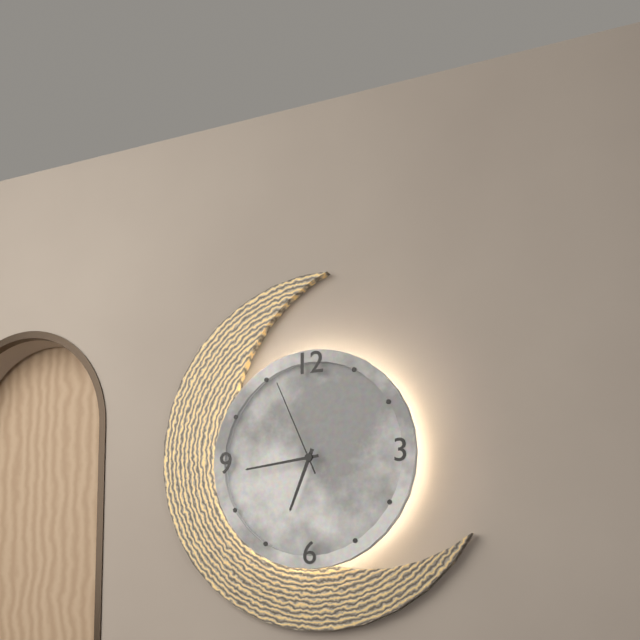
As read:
6,44,56
